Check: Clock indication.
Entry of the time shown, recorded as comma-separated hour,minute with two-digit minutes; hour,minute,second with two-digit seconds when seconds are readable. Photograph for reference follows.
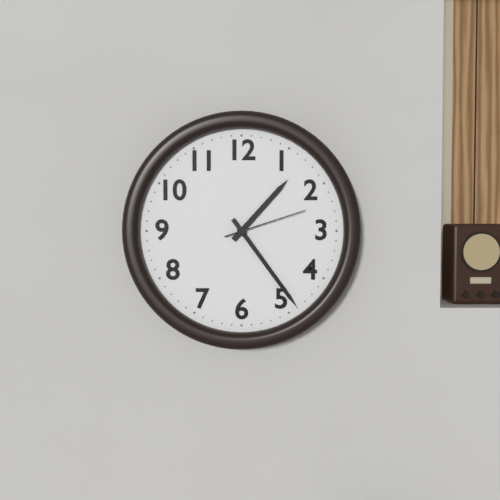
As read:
1,24,12
